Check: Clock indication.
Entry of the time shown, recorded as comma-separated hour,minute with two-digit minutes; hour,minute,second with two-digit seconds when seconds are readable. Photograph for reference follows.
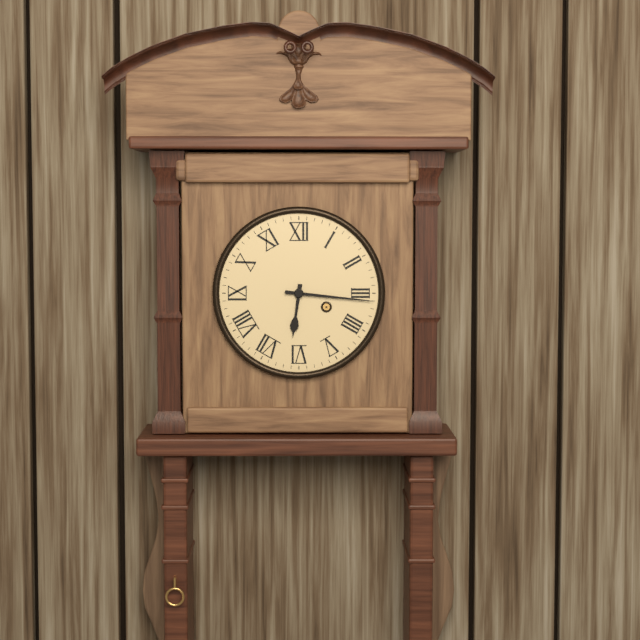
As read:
6,16
